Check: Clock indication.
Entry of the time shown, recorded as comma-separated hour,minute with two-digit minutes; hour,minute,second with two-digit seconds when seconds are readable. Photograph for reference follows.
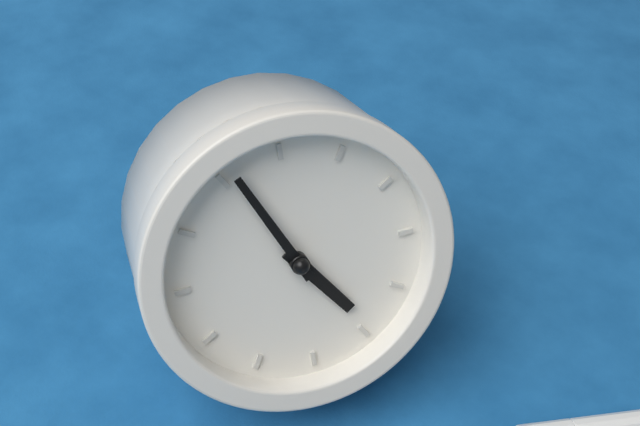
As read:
3,51
